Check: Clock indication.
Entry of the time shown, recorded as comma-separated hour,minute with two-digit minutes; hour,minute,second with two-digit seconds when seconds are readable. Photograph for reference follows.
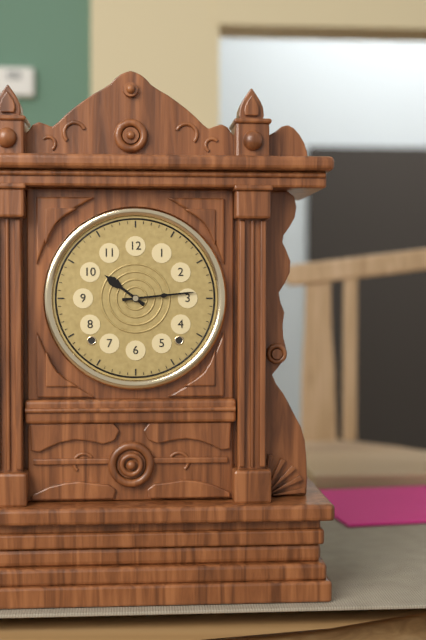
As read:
10,14
